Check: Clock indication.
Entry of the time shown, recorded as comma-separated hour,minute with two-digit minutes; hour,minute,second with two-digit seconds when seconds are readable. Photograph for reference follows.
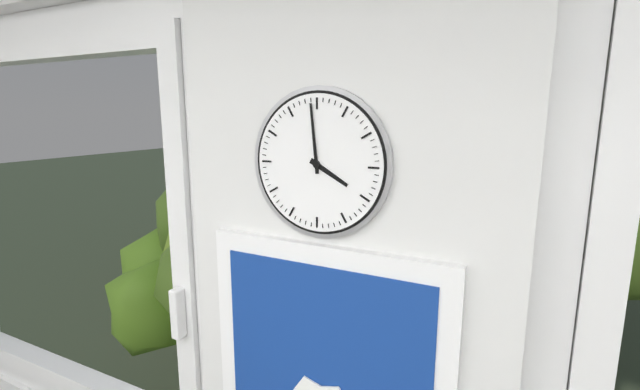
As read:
3,59
